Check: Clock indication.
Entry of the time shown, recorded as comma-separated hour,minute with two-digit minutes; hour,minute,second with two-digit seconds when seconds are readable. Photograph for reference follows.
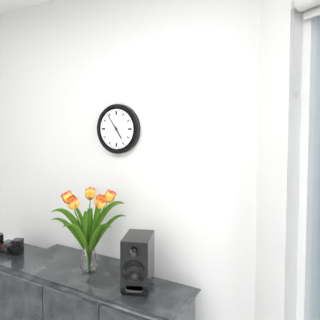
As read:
4,54
